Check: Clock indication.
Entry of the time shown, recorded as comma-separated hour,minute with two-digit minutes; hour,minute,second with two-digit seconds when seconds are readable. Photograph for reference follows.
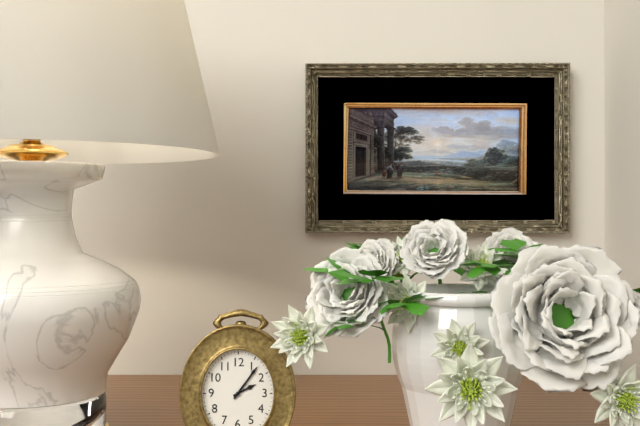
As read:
2,06
